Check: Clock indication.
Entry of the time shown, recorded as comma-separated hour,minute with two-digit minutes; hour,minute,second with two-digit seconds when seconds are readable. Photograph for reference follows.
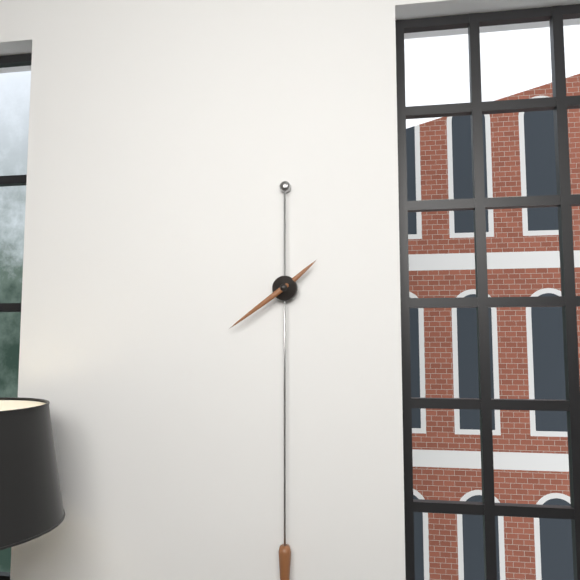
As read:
1,39
